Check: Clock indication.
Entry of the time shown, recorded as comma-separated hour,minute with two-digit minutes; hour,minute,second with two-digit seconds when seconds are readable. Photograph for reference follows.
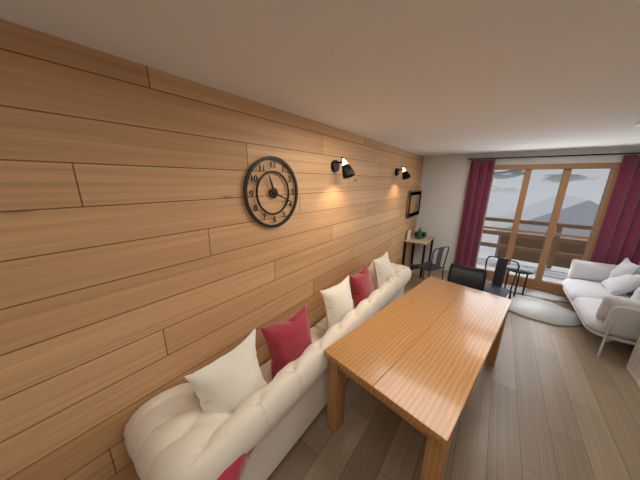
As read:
11,19
